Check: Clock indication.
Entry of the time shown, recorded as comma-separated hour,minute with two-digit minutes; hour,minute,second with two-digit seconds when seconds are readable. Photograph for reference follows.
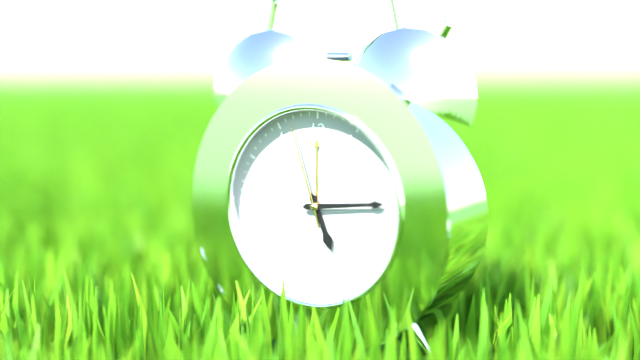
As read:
5,14,57
